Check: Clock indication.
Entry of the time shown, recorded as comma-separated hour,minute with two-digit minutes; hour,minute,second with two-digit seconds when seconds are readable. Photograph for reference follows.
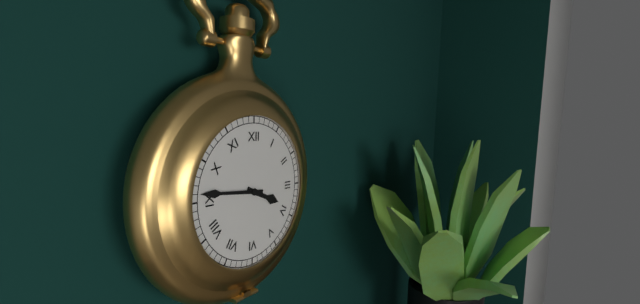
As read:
3,46
